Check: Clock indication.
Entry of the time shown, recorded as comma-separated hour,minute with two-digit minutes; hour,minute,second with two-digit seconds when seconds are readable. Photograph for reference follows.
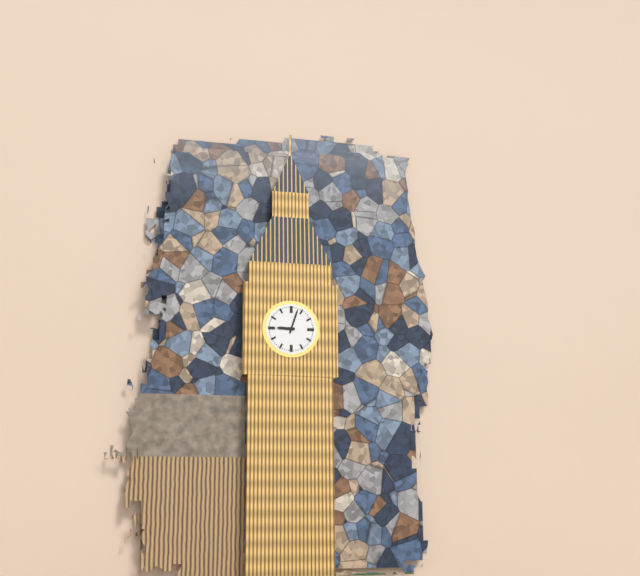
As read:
9,03
